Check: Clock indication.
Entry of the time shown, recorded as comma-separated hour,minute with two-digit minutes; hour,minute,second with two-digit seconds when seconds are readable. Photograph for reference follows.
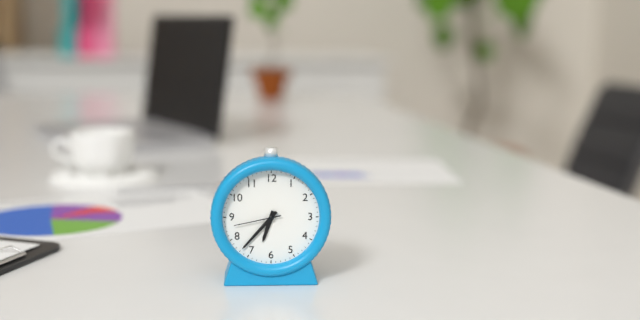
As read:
6,37
